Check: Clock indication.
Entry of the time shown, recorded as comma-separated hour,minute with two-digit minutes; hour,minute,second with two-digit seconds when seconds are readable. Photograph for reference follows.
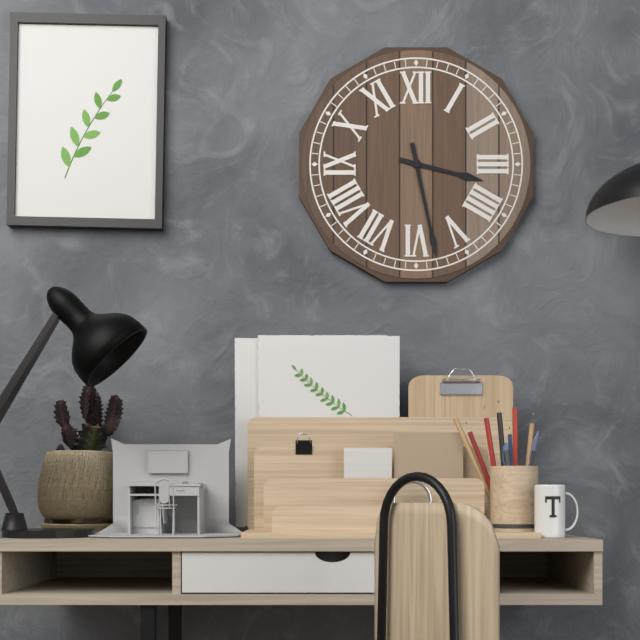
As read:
3,28
